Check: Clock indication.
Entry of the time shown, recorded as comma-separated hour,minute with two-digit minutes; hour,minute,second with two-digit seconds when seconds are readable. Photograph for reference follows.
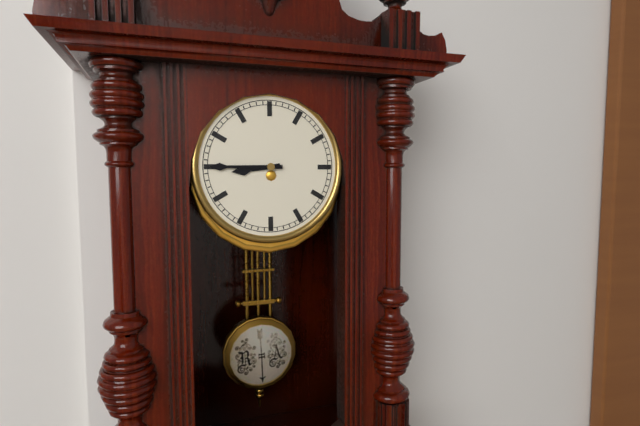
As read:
8,45
